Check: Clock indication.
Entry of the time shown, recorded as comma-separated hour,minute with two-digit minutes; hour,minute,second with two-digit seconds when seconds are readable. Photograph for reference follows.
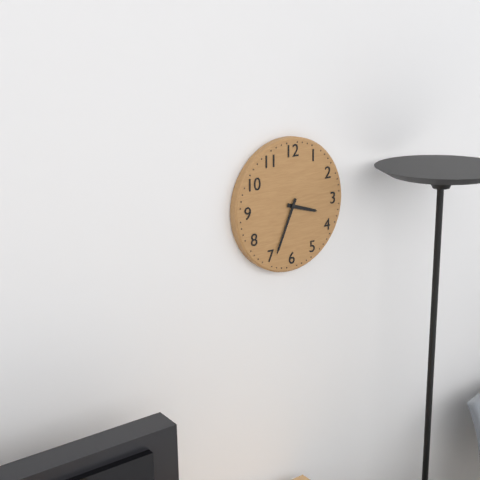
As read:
3,34
